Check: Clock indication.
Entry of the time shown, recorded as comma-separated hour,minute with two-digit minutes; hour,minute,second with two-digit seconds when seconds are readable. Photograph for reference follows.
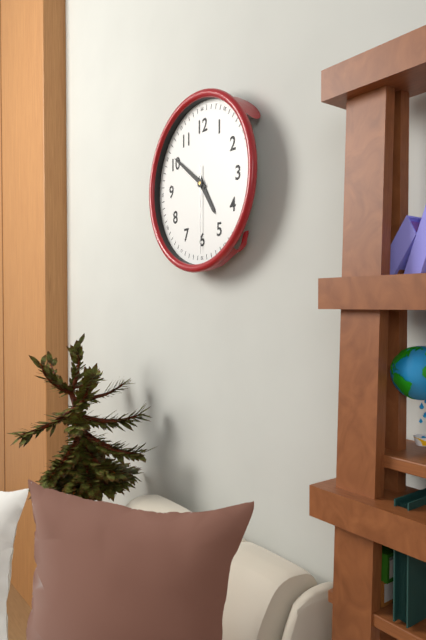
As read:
4,51,30
